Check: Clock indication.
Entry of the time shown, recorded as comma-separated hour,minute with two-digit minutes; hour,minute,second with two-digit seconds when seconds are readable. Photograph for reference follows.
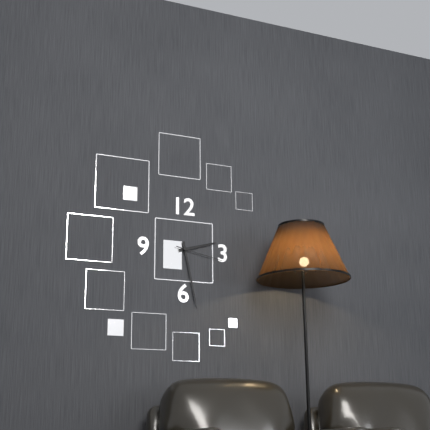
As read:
2,28,17
